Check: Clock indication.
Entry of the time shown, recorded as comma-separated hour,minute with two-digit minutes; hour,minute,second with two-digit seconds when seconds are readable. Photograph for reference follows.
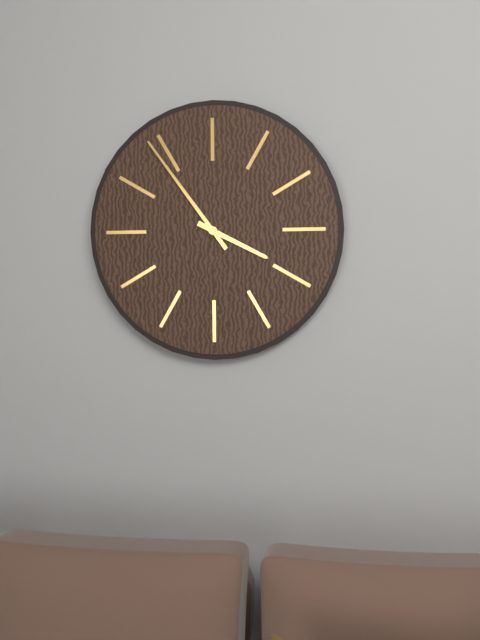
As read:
3,54
